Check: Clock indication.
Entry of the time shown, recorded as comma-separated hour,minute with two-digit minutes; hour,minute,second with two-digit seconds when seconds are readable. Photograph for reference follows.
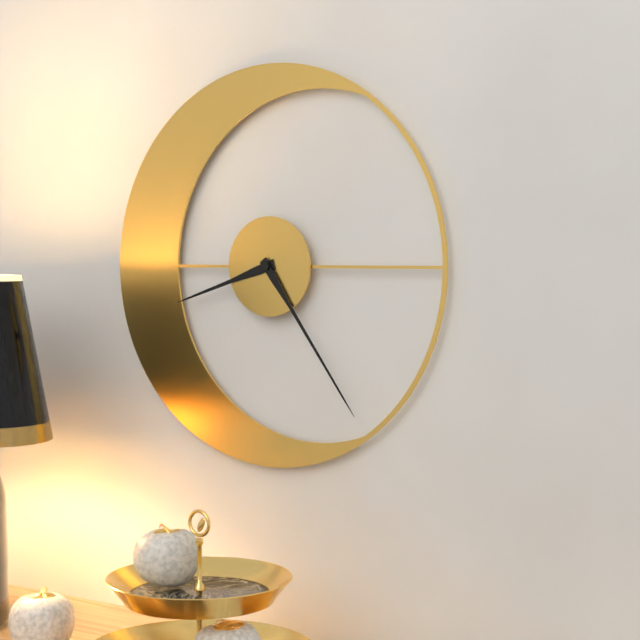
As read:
8,24
